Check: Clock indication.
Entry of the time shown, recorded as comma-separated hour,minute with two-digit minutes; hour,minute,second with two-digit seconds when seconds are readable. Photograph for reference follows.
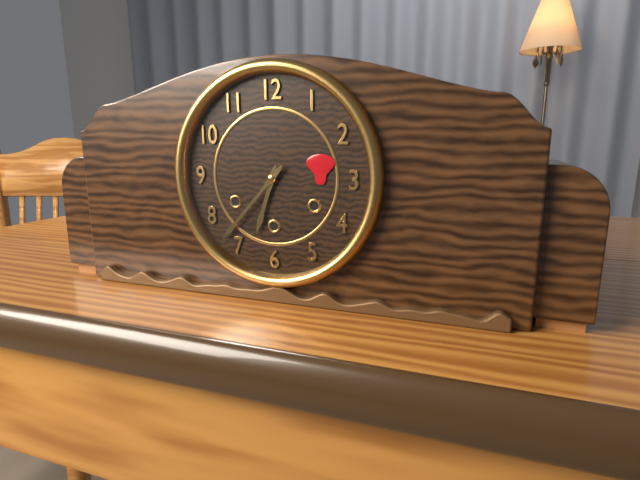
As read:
6,37
